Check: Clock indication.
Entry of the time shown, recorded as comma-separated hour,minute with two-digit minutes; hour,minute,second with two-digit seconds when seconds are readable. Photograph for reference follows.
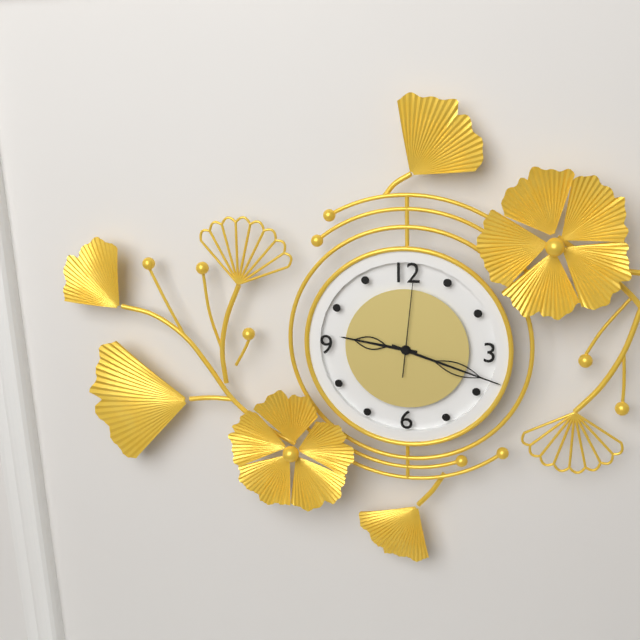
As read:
9,18,01
